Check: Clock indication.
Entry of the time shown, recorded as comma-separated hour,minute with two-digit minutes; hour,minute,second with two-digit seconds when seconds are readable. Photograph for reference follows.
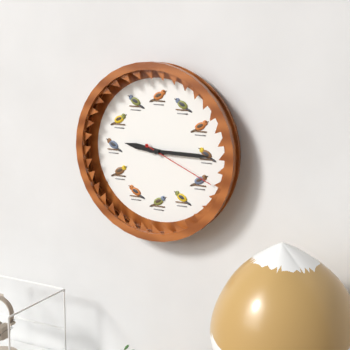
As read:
9,15,19
